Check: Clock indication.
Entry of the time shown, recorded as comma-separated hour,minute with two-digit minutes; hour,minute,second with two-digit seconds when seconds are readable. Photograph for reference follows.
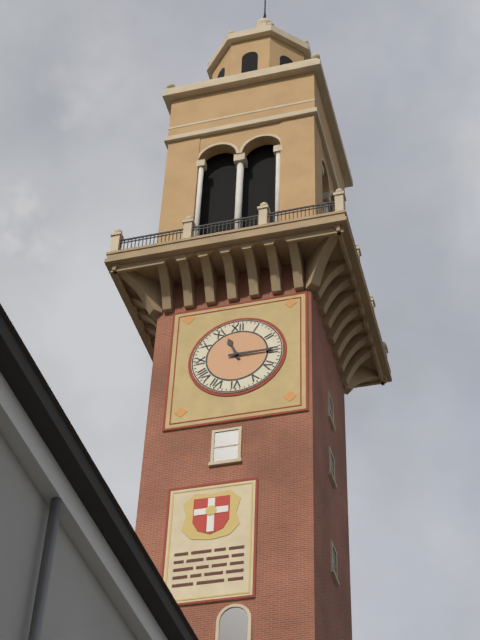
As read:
11,15
